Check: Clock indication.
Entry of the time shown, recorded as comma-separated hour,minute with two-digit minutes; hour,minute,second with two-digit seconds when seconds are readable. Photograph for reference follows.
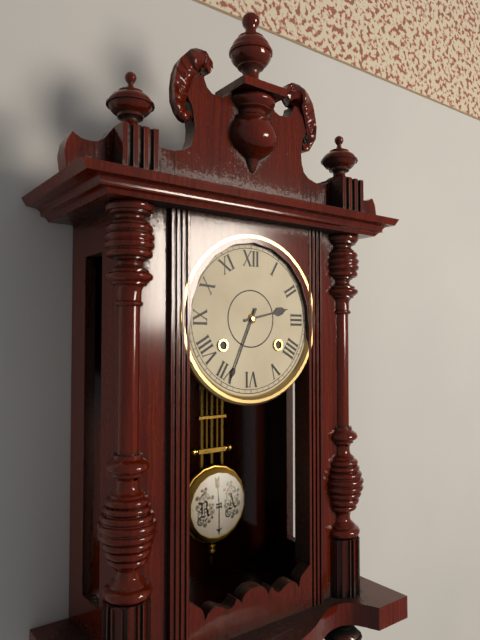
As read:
2,34
